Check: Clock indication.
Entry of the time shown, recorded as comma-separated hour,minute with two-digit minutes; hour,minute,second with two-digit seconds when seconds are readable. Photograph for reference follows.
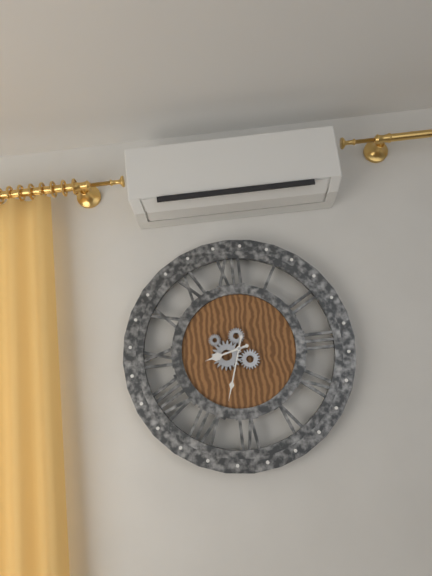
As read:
8,33
